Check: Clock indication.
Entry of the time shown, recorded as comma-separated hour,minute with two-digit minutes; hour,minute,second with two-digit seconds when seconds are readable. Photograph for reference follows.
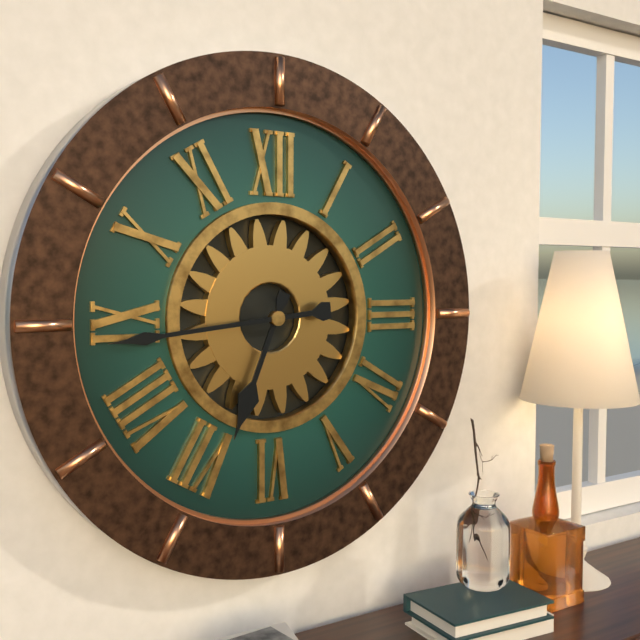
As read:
6,44
